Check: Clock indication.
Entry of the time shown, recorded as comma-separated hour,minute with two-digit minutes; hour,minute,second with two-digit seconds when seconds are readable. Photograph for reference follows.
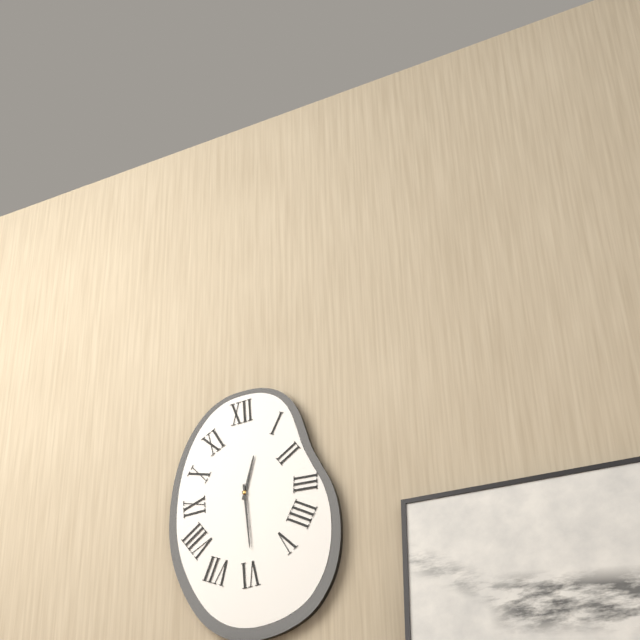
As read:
12,29
